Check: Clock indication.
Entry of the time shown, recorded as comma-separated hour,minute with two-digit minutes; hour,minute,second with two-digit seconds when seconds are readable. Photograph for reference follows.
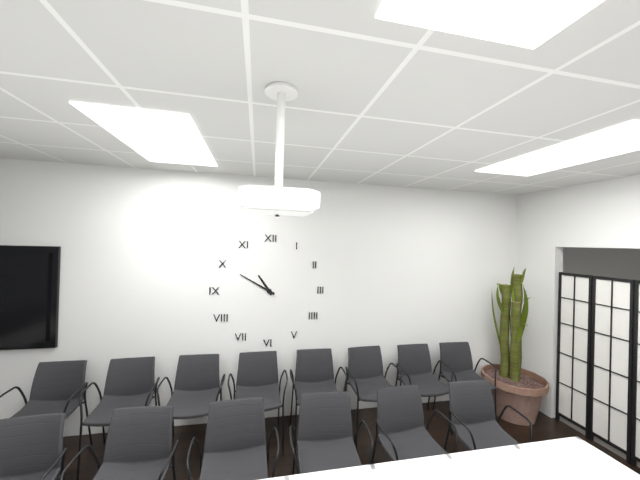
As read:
10,50
